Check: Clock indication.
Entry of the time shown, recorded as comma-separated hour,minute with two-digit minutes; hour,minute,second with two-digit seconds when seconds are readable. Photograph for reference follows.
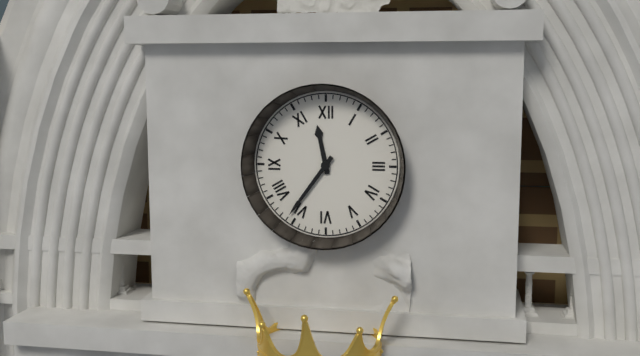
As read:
11,36
